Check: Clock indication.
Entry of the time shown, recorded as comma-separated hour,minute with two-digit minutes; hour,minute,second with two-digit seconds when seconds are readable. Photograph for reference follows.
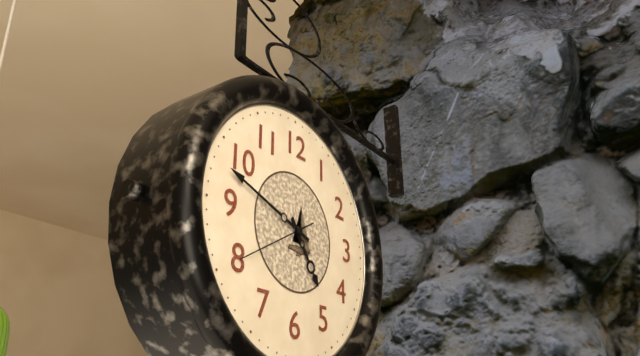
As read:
4,48,40
